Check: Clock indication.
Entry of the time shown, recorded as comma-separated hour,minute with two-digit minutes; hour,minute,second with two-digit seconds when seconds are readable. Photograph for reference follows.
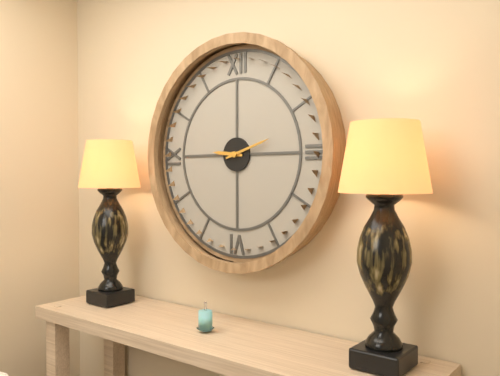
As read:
9,12
